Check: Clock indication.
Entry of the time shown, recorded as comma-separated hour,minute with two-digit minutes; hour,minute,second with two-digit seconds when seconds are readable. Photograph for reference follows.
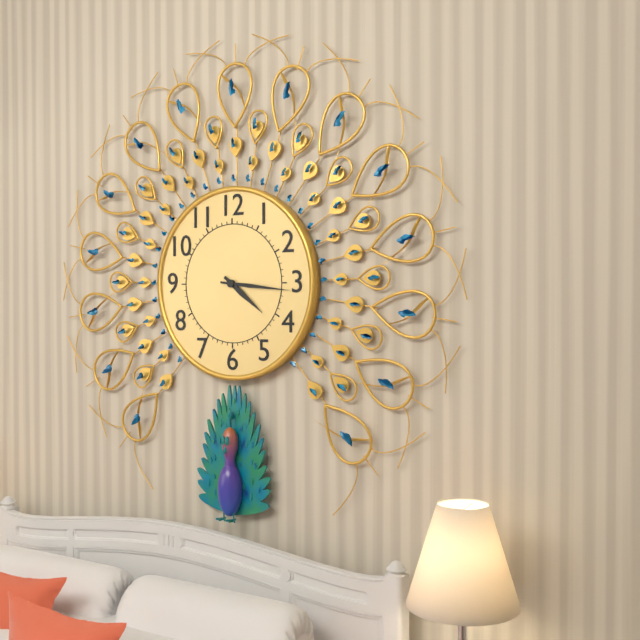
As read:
4,16
